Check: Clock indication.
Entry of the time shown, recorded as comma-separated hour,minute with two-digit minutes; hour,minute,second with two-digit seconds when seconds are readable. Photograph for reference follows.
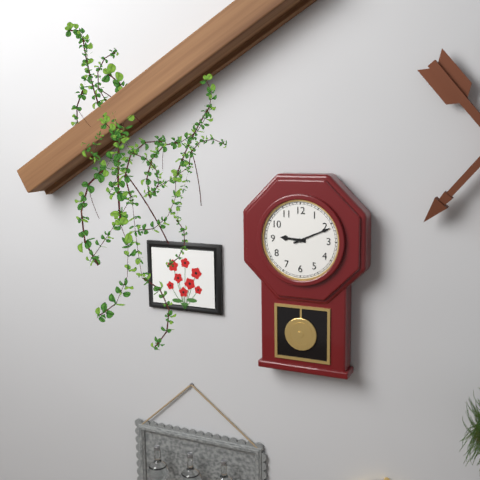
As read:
9,11
